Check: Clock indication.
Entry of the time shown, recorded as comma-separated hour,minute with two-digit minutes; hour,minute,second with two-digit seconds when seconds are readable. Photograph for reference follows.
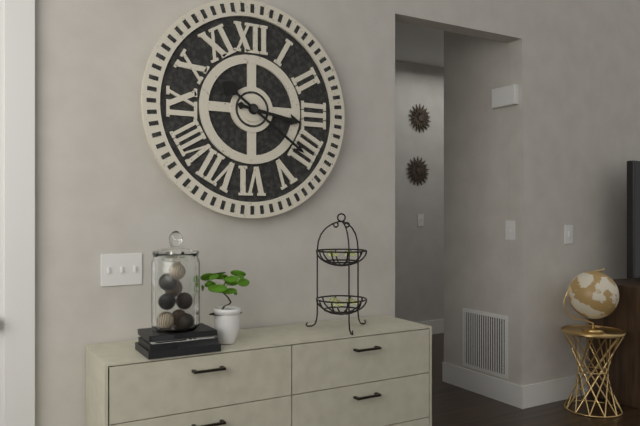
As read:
3,21
